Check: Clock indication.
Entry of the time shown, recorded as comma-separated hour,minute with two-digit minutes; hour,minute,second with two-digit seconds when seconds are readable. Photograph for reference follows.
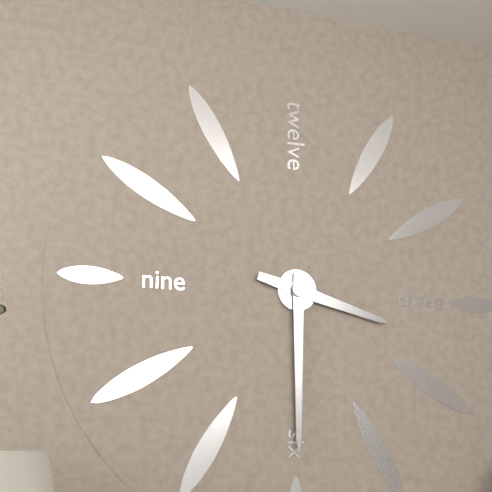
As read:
3,30
